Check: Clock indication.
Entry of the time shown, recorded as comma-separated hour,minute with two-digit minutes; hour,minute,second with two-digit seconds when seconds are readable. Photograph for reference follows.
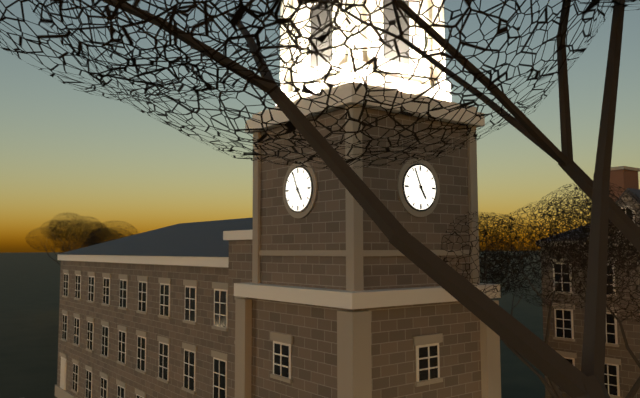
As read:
4,56
